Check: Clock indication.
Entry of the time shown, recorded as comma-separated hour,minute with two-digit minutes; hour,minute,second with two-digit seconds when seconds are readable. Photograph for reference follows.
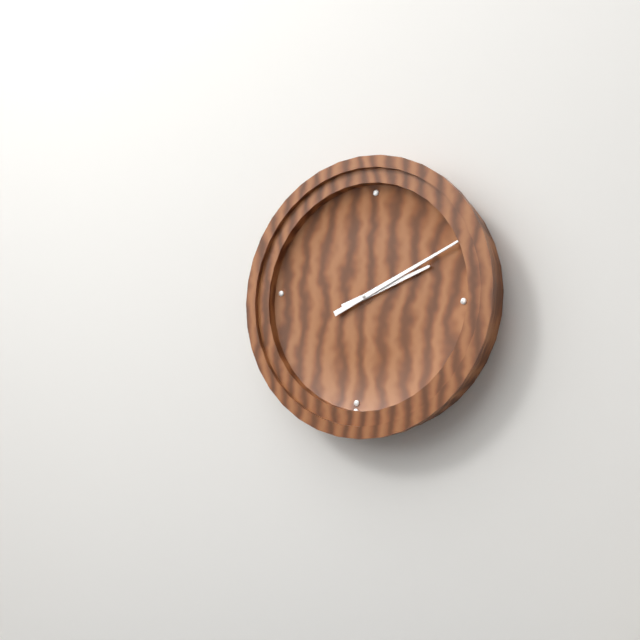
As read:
2,10
